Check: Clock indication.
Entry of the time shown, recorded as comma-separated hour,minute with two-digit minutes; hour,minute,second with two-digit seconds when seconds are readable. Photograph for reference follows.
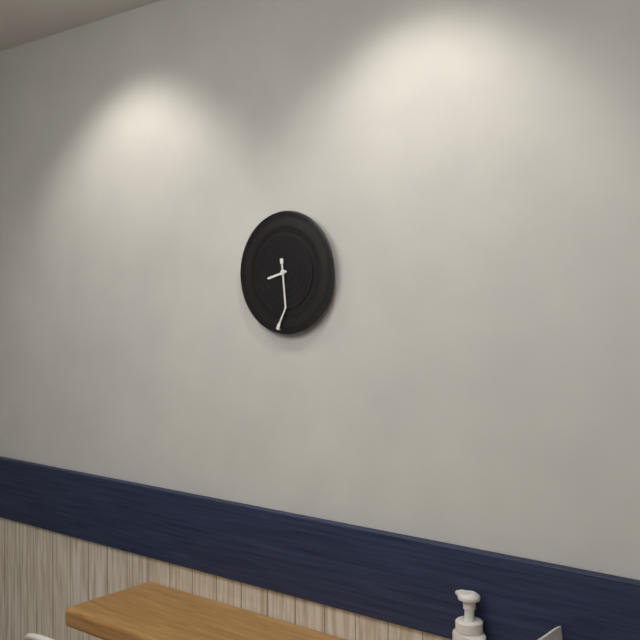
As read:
8,29
